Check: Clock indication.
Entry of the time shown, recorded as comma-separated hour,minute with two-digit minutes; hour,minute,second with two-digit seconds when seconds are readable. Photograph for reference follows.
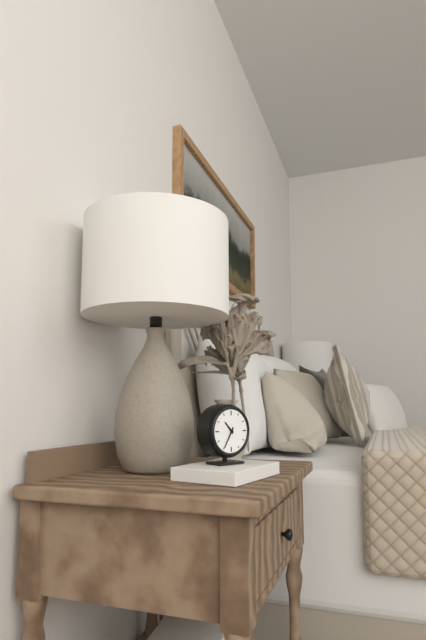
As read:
10,35
